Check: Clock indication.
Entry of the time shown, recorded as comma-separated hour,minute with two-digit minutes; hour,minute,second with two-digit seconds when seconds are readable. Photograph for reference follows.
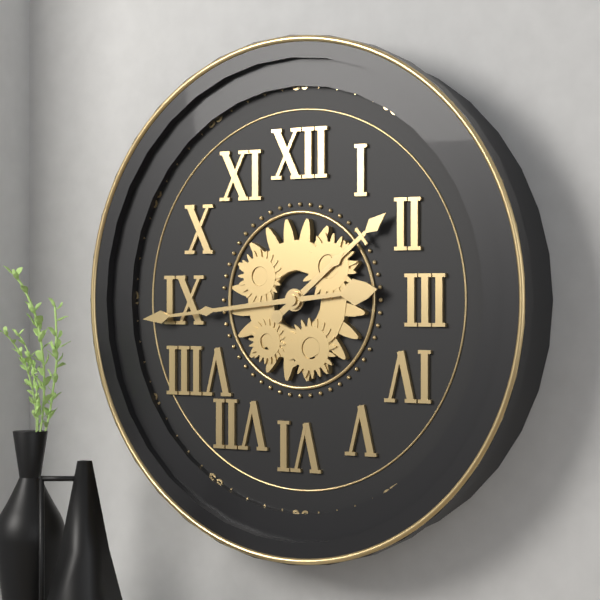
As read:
1,44
